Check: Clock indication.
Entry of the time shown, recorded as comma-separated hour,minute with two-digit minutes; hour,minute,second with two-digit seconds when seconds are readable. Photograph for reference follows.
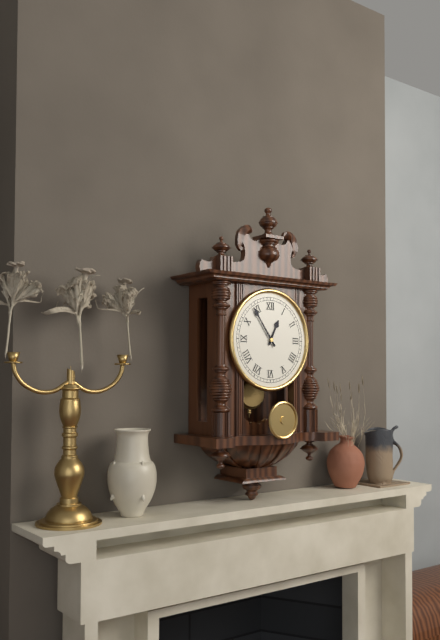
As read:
12,54
